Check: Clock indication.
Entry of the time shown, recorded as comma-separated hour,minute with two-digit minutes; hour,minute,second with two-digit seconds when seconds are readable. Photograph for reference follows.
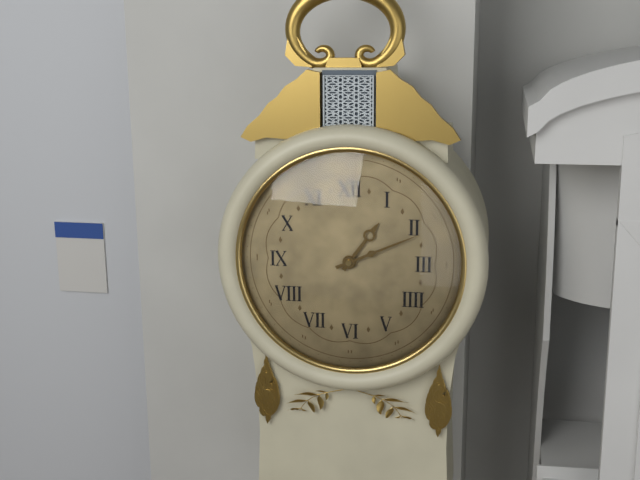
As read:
1,11
